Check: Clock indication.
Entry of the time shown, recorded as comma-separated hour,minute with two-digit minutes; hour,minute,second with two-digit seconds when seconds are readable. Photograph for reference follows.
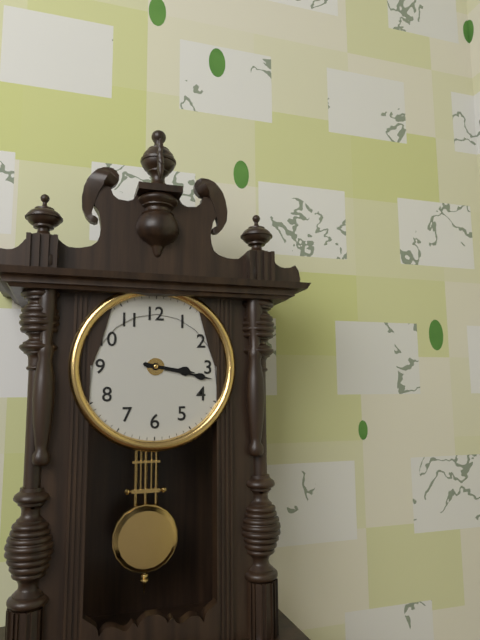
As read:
3,17
